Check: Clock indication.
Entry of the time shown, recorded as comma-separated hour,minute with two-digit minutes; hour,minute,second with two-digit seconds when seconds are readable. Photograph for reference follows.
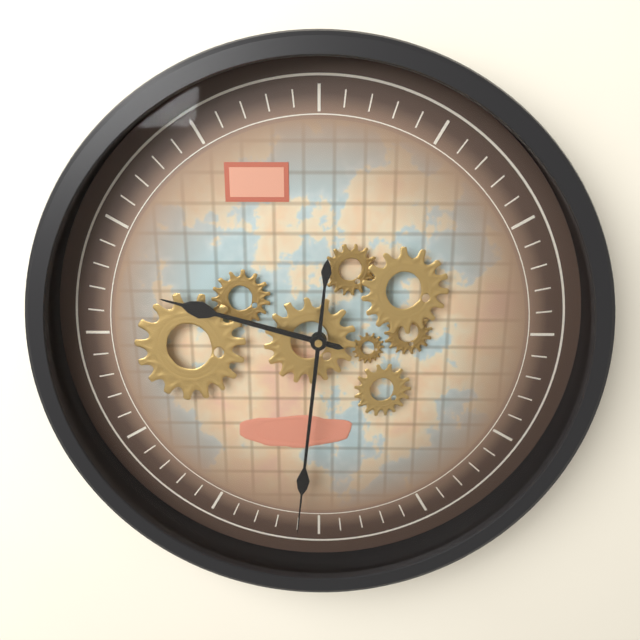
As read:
9,31
